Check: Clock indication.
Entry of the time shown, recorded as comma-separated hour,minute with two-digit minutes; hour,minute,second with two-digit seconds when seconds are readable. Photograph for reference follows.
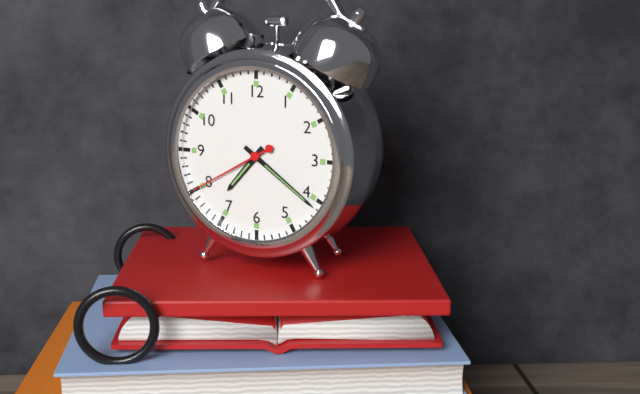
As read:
7,21,40
